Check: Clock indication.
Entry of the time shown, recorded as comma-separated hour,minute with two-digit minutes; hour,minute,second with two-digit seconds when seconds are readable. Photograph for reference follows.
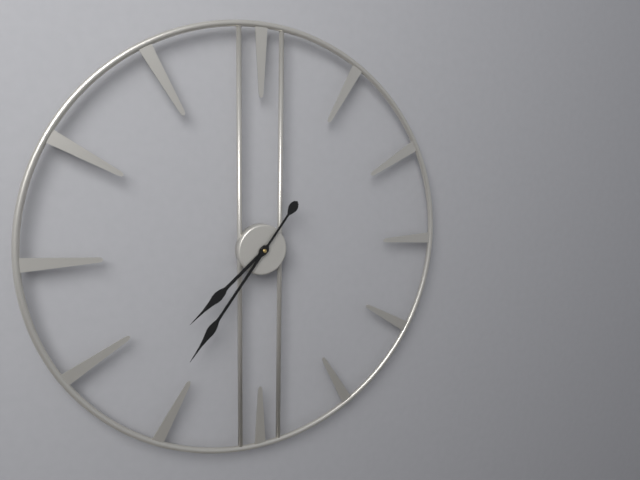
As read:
7,36
